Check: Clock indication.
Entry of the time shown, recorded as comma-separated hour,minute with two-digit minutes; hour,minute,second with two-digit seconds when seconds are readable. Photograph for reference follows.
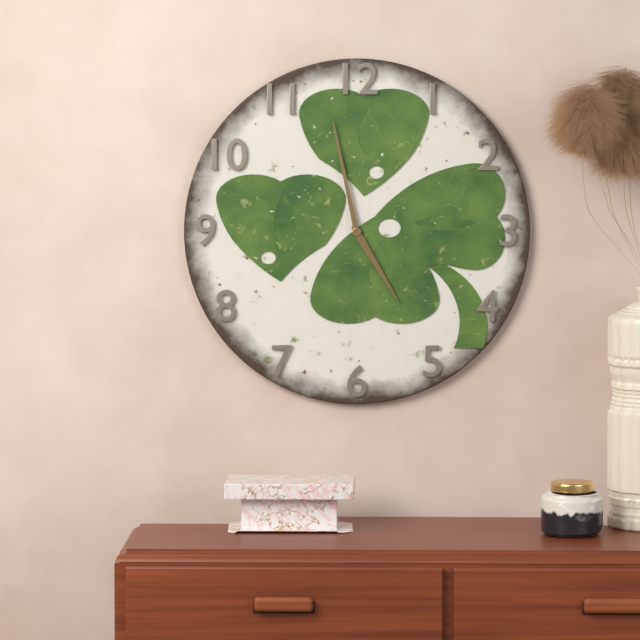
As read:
4,58
